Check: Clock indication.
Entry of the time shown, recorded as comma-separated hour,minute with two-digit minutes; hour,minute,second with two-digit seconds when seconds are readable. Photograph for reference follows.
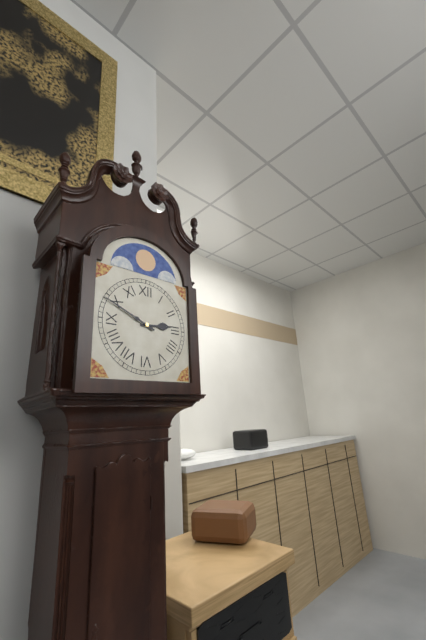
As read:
2,49
